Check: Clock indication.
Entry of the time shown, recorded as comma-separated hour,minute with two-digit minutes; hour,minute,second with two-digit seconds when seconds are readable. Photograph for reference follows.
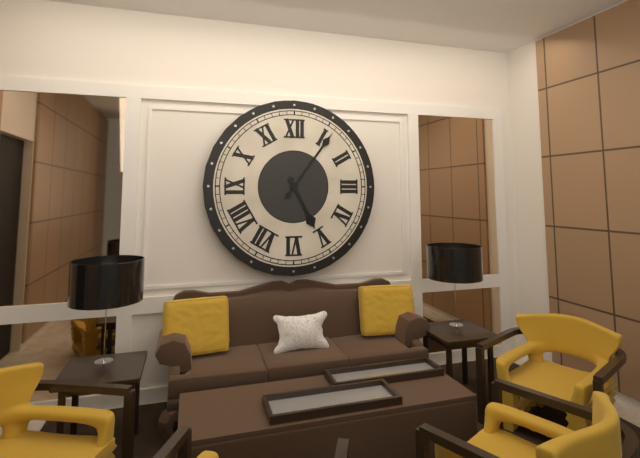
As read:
5,06
